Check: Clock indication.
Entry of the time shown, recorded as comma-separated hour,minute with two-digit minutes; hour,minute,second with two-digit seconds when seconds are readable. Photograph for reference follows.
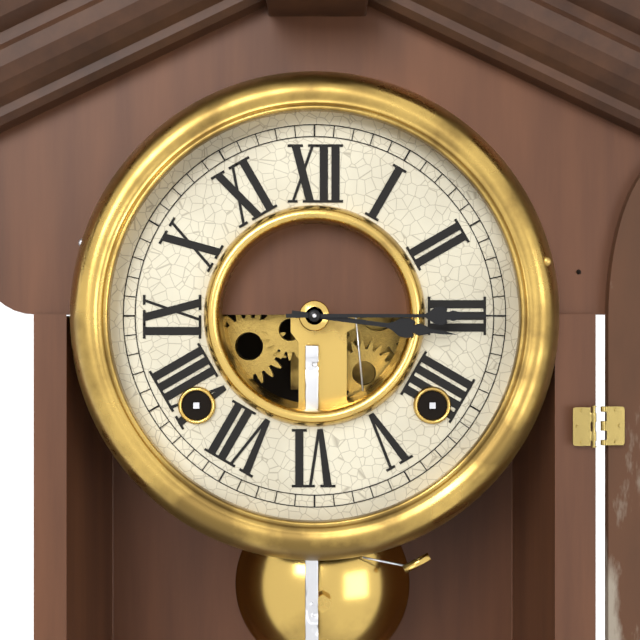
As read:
3,15
